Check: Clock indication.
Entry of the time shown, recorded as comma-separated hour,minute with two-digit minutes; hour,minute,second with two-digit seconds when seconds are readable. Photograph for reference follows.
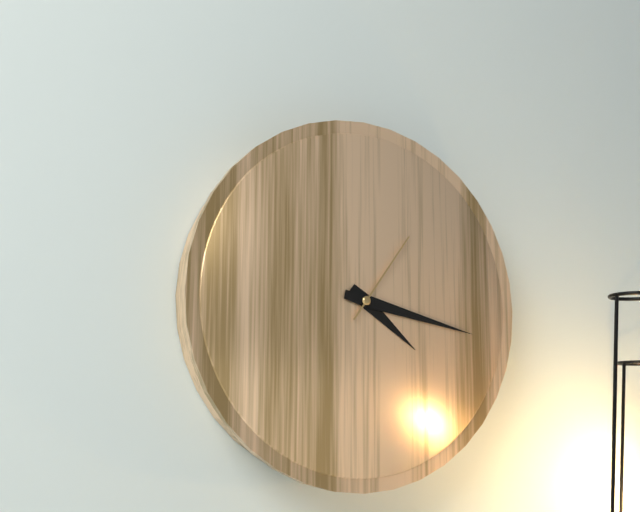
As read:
4,17,06
